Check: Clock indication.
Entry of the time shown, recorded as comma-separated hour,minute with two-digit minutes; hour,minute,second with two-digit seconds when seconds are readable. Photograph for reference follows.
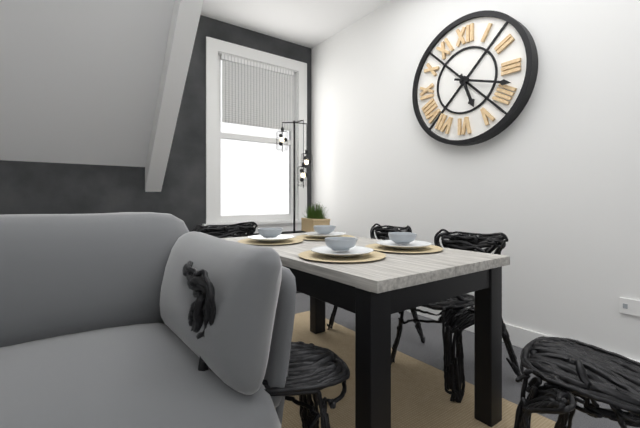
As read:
5,18
